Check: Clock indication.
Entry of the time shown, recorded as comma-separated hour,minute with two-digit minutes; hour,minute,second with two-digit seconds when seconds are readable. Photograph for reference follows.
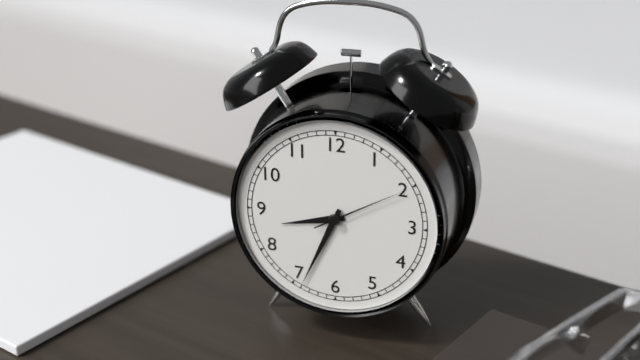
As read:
8,34,10
